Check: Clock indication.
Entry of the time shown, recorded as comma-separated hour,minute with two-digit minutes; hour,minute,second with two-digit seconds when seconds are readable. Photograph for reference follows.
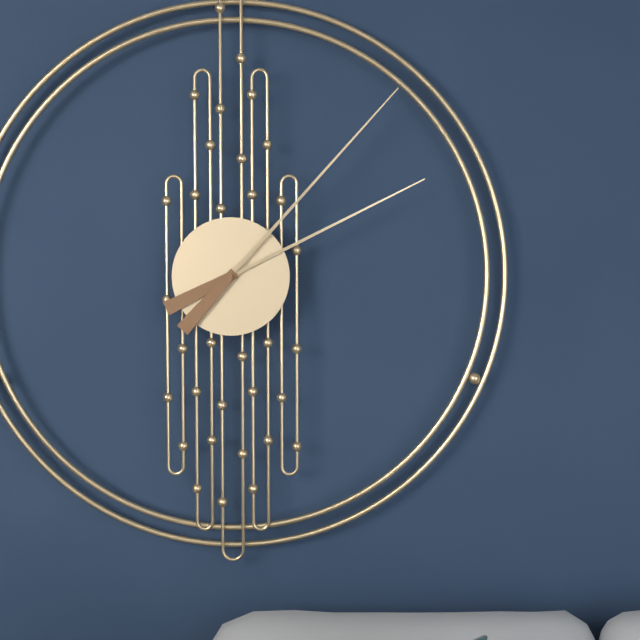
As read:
2,07
